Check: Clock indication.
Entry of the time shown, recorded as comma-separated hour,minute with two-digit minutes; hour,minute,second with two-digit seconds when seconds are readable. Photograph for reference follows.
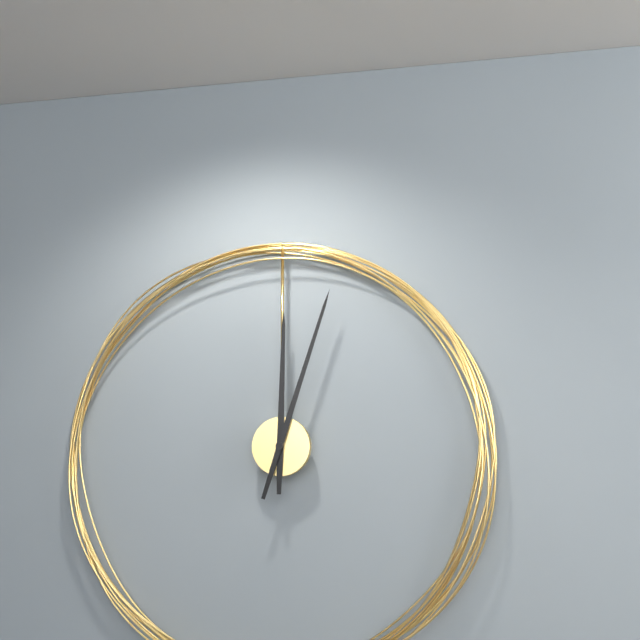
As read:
12,03
